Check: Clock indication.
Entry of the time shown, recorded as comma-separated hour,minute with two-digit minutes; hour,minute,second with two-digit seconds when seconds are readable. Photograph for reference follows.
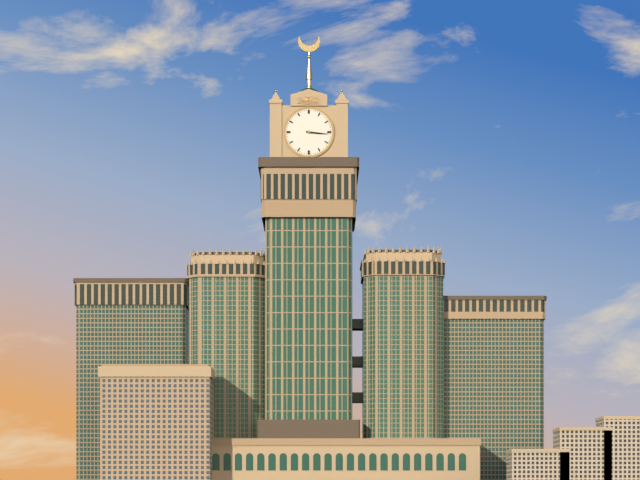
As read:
3,16
